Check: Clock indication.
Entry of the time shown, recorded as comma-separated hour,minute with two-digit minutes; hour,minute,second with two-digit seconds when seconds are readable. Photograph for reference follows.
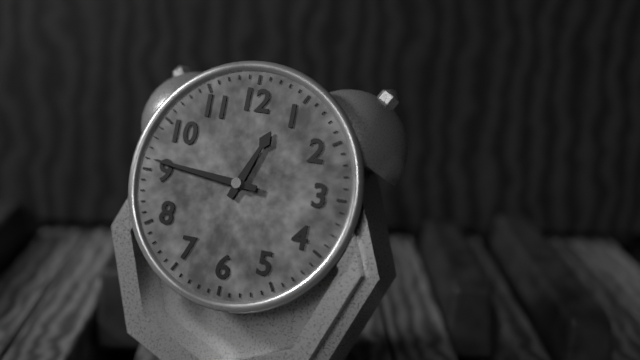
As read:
12,46
